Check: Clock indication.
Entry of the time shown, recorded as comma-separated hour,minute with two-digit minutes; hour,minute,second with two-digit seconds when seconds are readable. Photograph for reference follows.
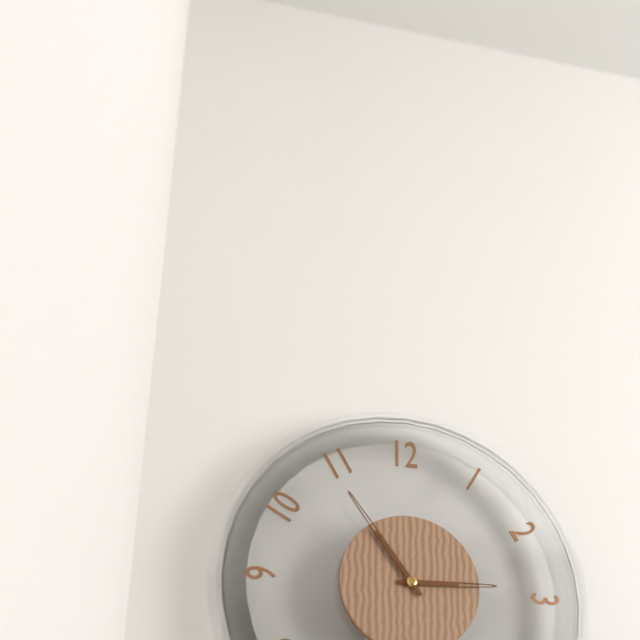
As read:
2,54
